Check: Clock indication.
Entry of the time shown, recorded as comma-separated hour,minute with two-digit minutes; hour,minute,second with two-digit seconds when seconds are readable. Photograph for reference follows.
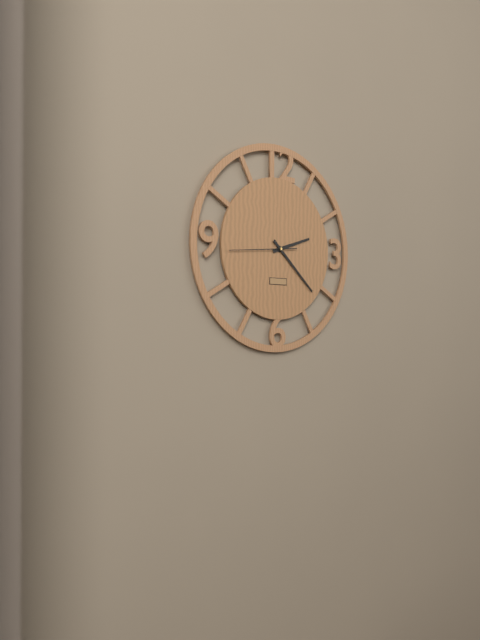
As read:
2,22,44
